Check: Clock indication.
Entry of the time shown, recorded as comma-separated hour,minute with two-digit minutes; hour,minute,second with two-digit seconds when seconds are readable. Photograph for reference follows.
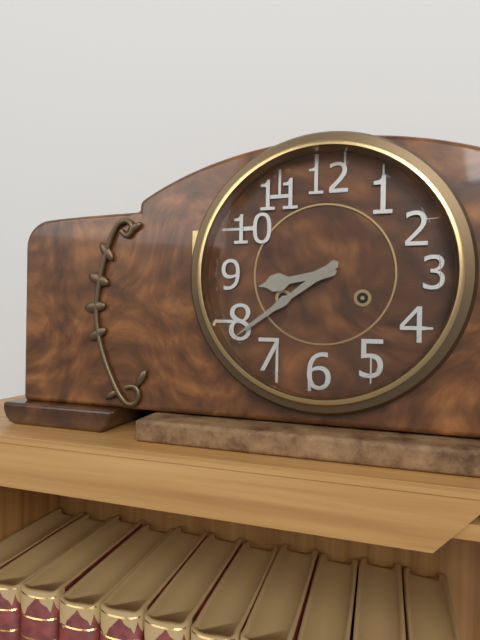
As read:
8,39
